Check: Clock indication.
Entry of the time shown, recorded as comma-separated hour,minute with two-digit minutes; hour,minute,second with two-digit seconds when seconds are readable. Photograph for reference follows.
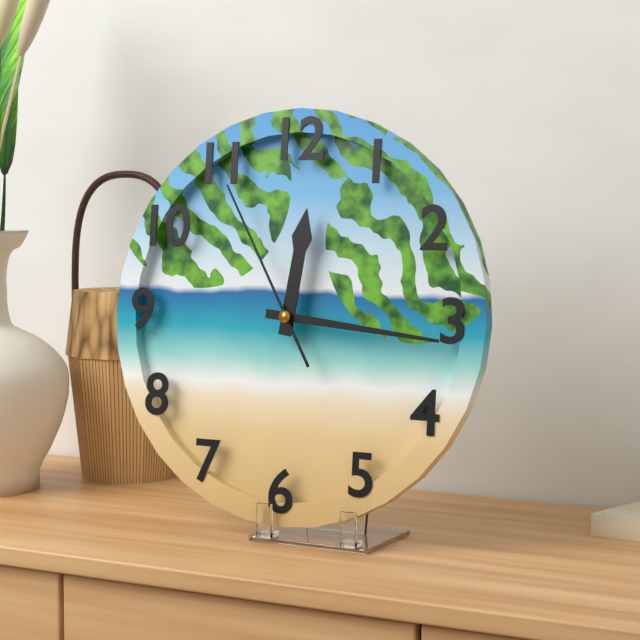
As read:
12,16,55
